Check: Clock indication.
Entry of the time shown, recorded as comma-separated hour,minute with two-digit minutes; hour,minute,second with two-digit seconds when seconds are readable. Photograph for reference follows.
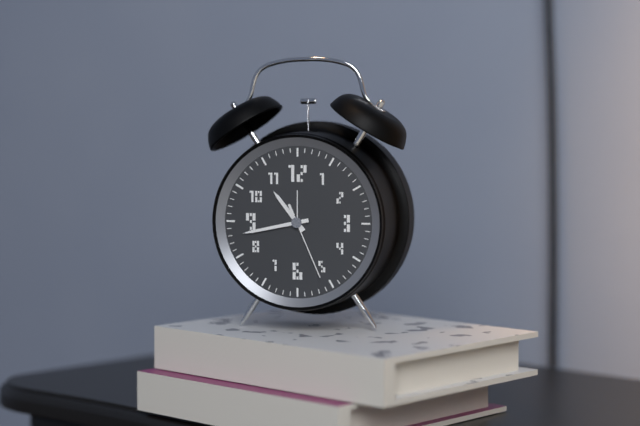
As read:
10,43,26
